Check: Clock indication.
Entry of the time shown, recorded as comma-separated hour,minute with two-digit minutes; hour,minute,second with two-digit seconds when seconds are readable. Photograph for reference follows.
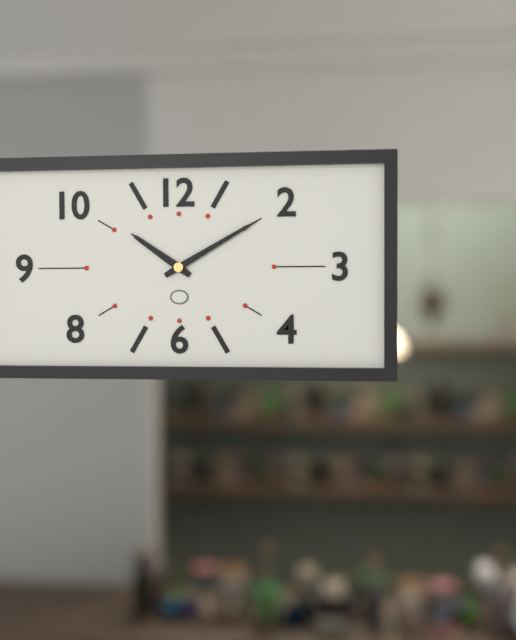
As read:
10,10
